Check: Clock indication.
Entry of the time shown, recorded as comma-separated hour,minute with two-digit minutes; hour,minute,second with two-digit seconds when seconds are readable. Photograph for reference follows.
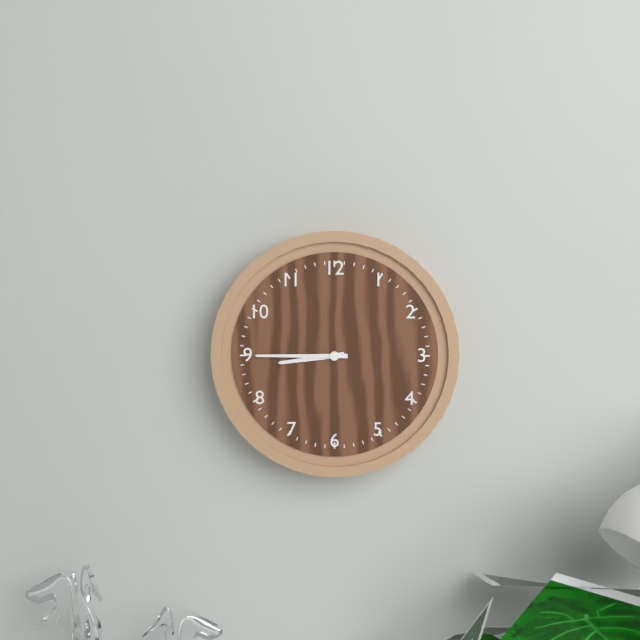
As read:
8,45
